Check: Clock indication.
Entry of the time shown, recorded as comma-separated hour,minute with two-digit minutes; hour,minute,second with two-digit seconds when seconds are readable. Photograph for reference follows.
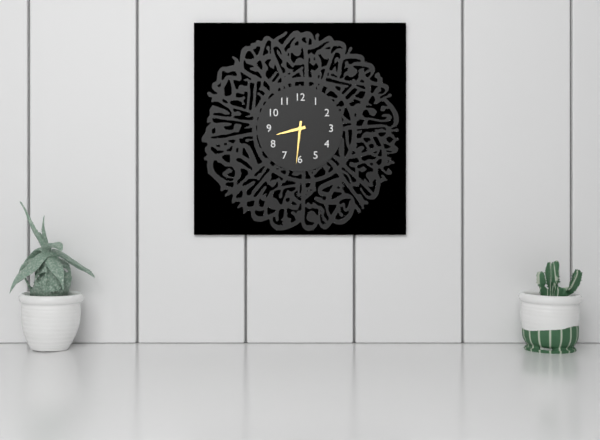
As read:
8,31
